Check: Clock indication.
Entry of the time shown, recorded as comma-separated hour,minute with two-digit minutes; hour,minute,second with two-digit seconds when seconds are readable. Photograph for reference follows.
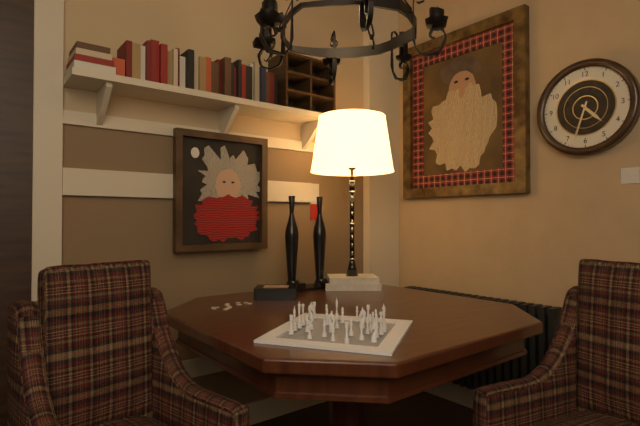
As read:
4,33
